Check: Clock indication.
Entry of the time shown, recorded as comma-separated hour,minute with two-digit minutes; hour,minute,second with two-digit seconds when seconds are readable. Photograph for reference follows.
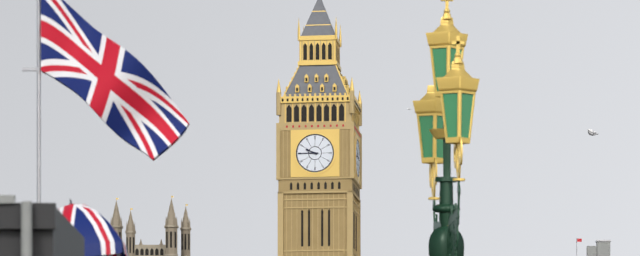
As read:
9,45
